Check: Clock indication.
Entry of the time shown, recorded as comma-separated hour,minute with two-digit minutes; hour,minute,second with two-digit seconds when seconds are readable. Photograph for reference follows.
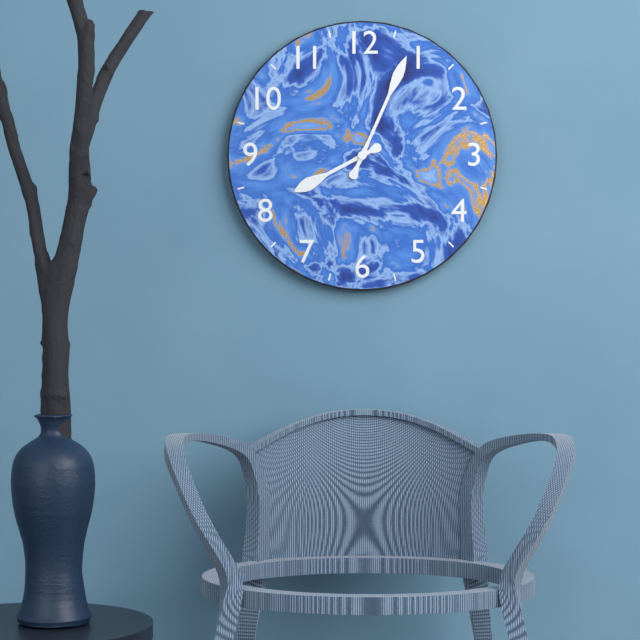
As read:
8,04
